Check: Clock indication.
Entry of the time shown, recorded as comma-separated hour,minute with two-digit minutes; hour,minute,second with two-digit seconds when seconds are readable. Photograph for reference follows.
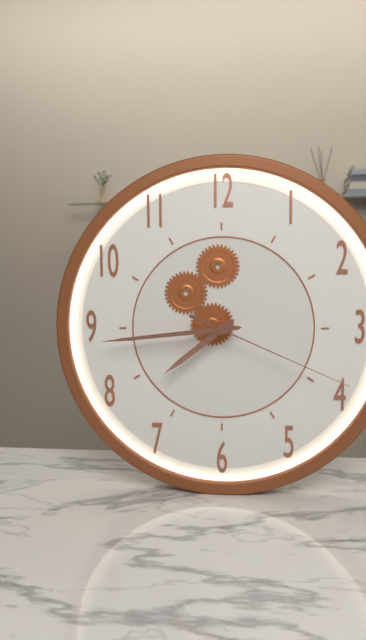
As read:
7,44,19
